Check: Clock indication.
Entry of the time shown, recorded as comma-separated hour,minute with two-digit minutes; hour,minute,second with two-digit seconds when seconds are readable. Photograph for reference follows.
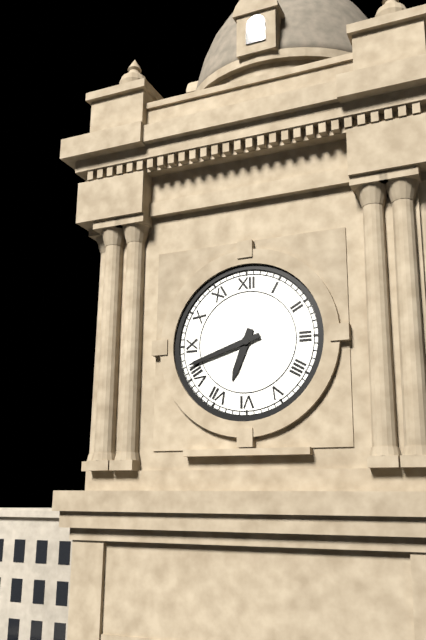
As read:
6,42
